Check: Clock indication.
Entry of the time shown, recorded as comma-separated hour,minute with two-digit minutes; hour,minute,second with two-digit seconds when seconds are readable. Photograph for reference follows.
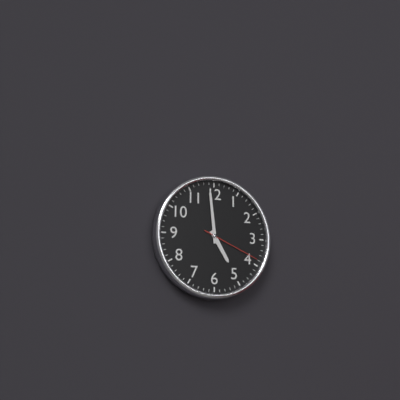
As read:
4,59,19
